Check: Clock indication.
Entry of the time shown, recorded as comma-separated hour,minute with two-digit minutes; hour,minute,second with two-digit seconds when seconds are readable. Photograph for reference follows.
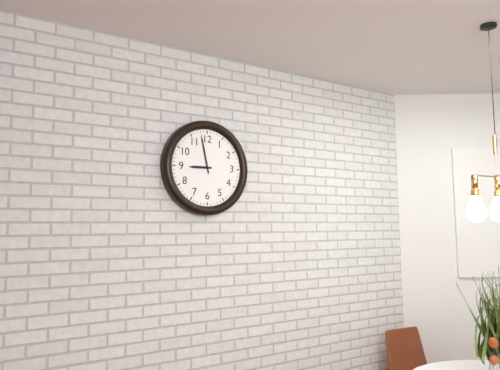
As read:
8,58
